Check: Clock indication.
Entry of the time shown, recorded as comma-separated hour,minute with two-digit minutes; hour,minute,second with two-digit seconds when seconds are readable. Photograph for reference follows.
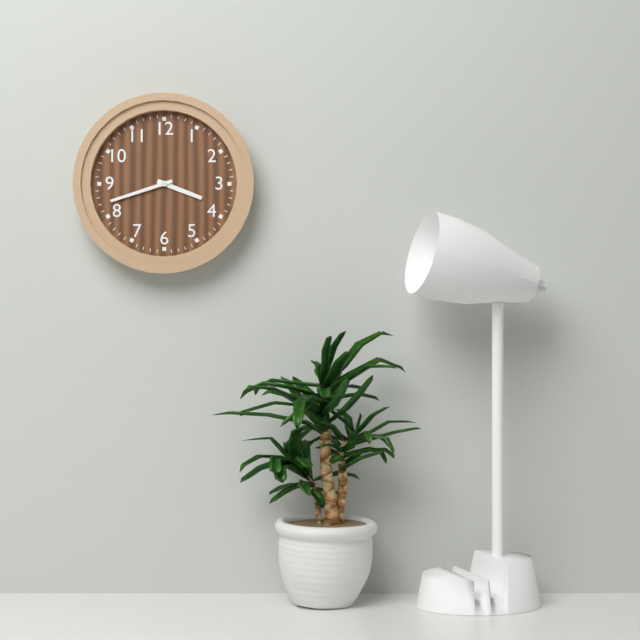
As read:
3,42
